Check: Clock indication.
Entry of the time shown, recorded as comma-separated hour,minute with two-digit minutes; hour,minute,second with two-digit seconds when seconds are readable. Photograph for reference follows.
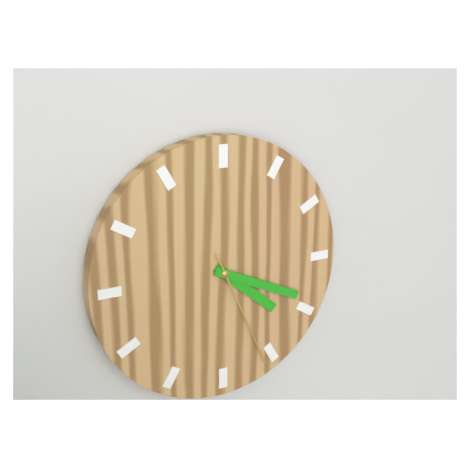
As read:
4,19,26
